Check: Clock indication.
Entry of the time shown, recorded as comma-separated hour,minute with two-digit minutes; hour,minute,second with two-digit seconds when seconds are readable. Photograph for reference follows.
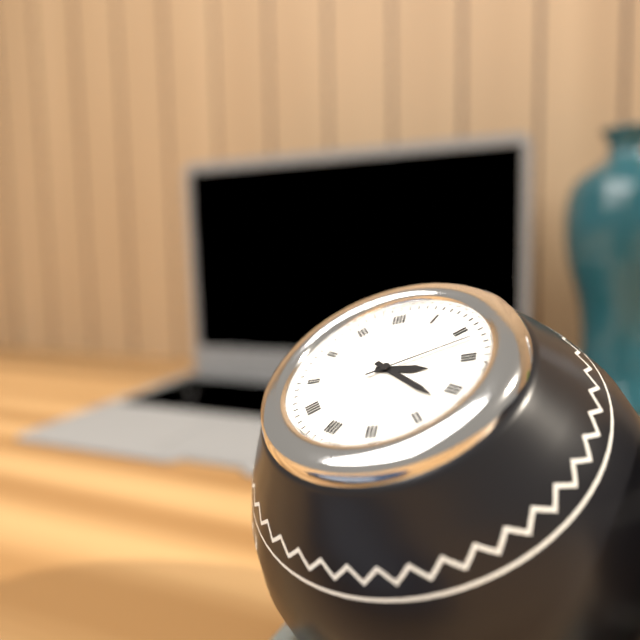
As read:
3,22,12
